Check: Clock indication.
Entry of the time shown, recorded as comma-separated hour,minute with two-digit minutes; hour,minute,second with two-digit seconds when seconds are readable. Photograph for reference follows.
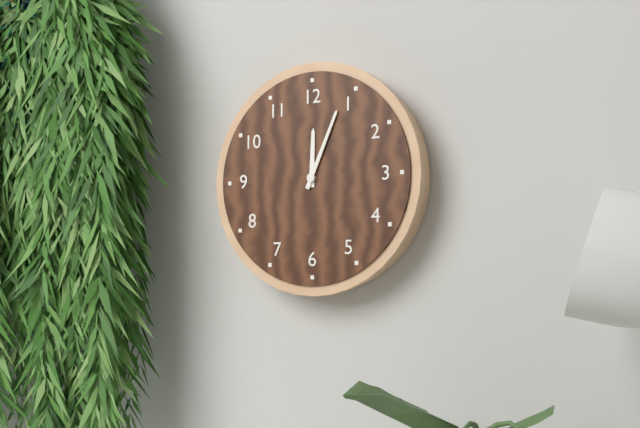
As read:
12,04
